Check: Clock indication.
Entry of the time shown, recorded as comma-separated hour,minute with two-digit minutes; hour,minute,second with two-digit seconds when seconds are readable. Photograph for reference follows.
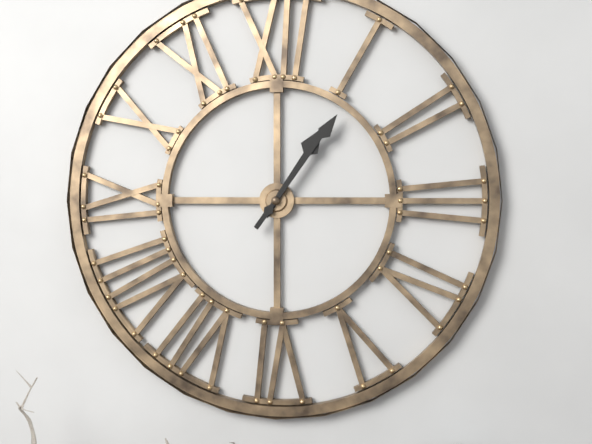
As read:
1,06
